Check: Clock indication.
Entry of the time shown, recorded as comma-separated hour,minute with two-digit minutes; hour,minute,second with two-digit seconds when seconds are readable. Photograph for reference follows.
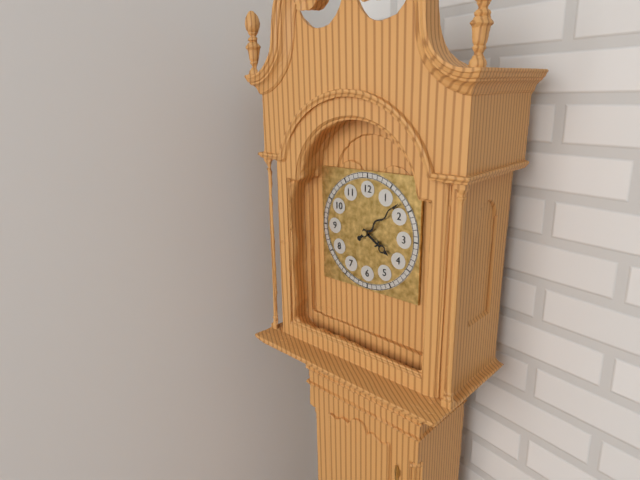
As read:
4,08
